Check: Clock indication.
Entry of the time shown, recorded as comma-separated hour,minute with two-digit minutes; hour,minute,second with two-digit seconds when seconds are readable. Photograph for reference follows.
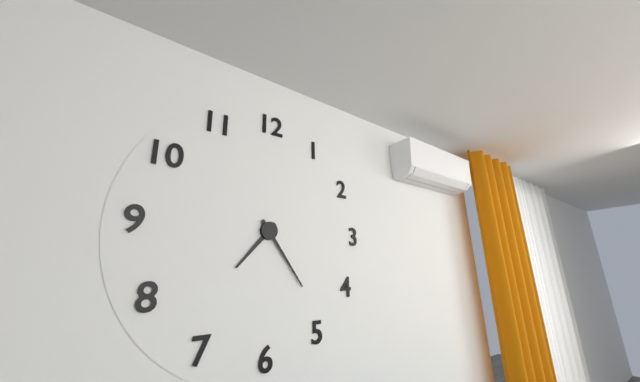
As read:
7,24
